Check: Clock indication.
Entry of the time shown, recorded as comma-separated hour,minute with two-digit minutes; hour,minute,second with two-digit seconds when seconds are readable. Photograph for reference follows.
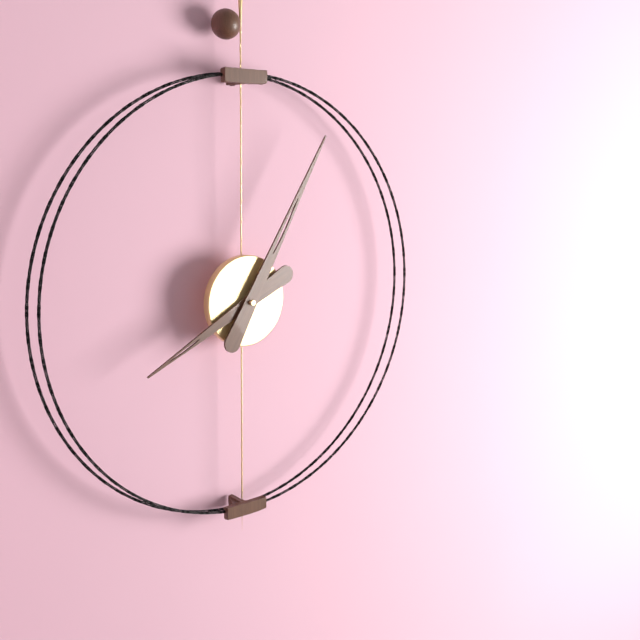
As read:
8,05
